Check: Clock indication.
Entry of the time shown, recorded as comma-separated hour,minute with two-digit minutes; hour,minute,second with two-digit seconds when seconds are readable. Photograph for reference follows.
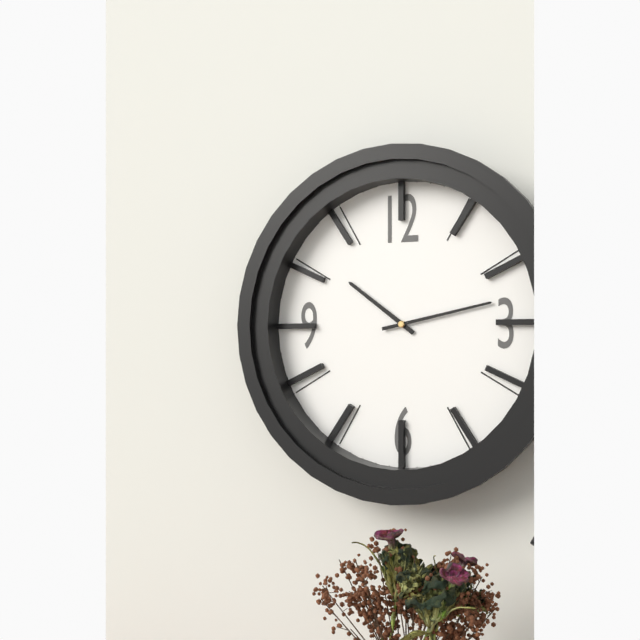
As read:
10,13
